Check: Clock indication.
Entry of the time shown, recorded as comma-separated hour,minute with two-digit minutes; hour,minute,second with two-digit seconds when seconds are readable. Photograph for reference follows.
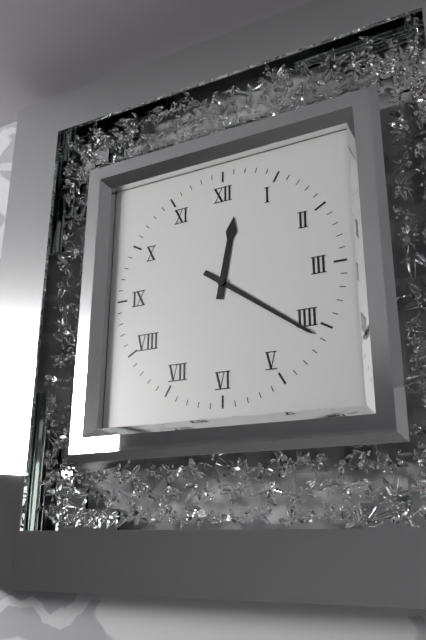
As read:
12,21
